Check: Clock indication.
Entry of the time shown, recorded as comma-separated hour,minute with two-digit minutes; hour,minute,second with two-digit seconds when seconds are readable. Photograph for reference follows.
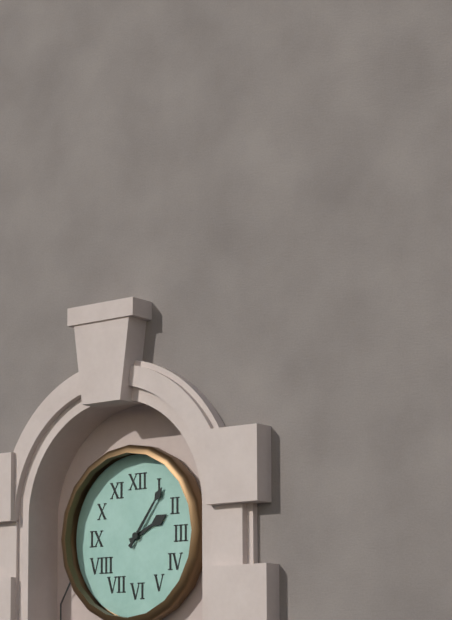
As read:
2,06
